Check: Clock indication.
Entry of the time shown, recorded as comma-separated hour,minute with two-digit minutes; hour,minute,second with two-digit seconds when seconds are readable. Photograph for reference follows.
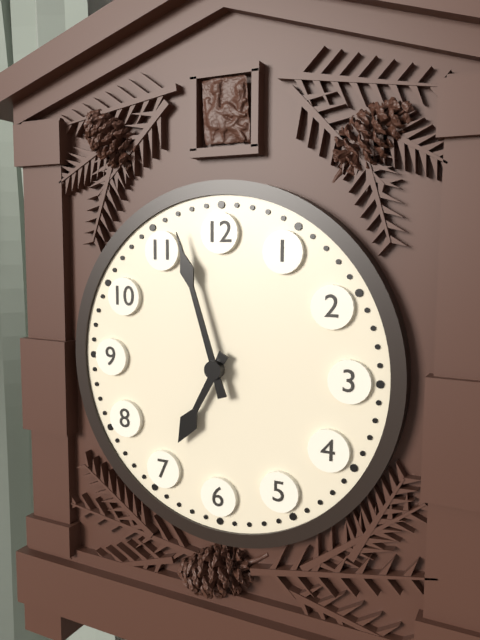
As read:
6,57
